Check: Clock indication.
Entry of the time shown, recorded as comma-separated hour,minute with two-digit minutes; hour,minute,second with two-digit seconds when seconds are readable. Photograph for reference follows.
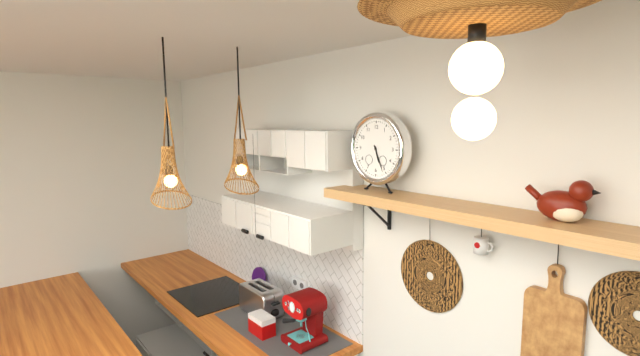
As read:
5,26
